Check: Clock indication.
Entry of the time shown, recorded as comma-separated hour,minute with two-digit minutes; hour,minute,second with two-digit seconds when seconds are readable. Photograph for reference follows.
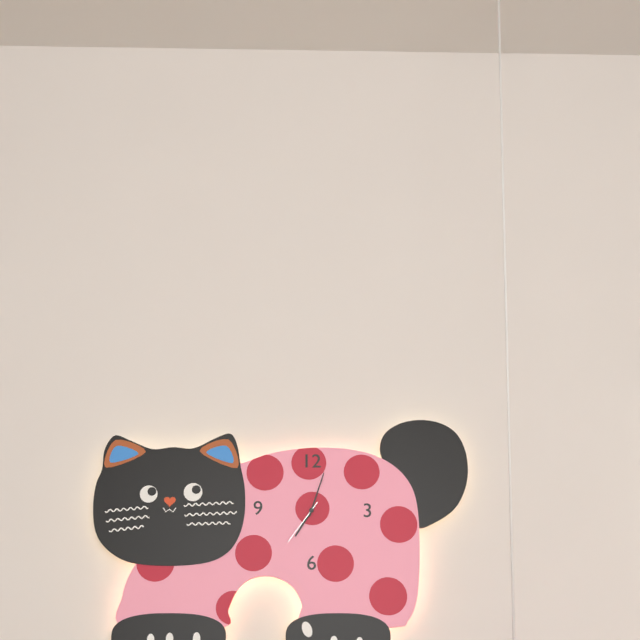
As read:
7,03,36
